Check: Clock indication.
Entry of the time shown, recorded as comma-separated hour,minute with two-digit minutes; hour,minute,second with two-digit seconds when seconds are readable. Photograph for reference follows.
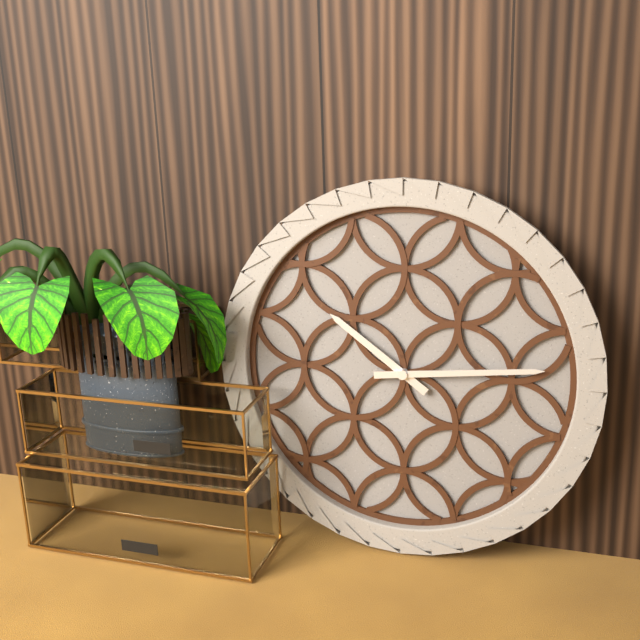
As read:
10,14
